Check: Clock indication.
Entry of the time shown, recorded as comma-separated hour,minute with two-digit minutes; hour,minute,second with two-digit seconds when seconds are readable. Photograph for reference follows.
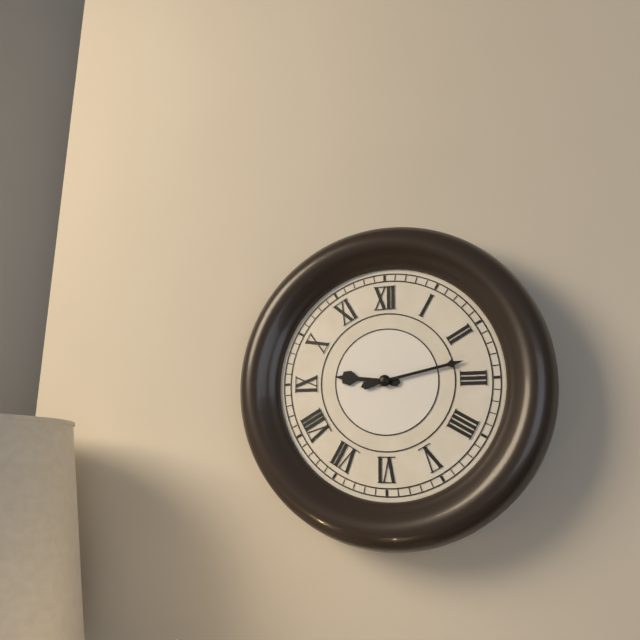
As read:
9,13
